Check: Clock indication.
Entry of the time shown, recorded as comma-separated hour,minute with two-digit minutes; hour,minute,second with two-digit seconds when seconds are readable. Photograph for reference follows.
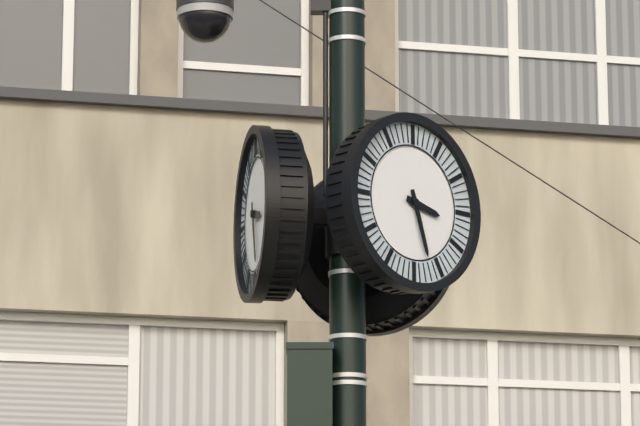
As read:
3,27
